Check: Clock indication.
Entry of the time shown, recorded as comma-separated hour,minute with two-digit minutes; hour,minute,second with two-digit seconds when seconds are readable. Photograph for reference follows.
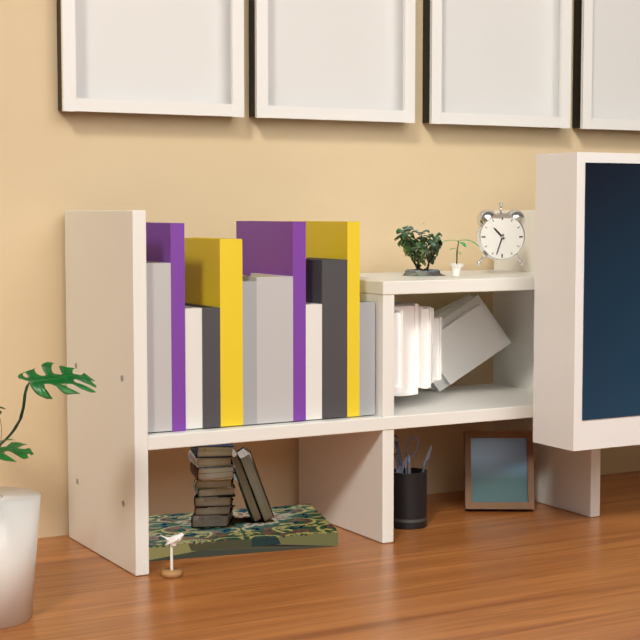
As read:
10,33
